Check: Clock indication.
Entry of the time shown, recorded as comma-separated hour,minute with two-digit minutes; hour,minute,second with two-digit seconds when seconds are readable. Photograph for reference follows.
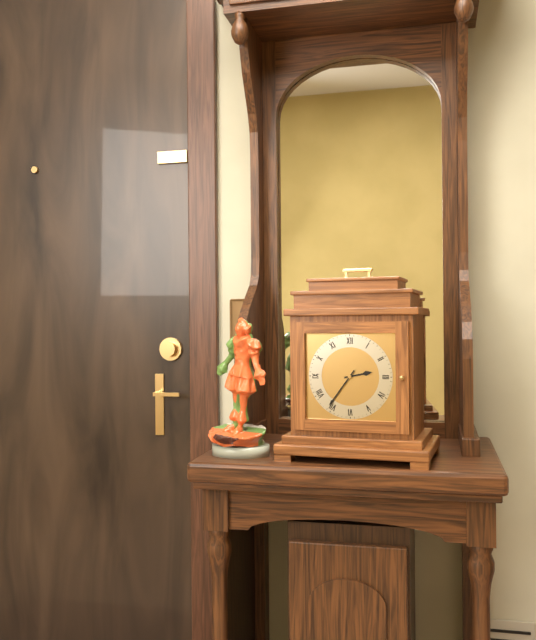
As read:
2,36
